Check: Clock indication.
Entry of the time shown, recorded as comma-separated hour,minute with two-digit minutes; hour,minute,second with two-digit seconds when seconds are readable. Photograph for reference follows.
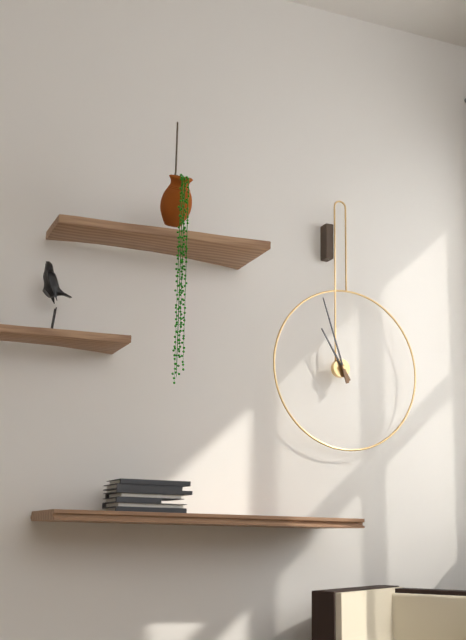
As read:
10,57
